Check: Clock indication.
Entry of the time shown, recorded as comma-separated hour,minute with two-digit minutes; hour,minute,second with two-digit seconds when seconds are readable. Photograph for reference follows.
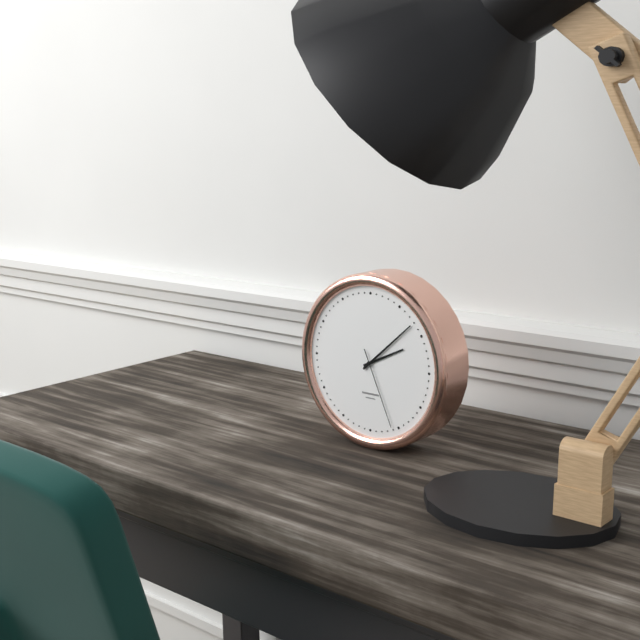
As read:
2,08,26
